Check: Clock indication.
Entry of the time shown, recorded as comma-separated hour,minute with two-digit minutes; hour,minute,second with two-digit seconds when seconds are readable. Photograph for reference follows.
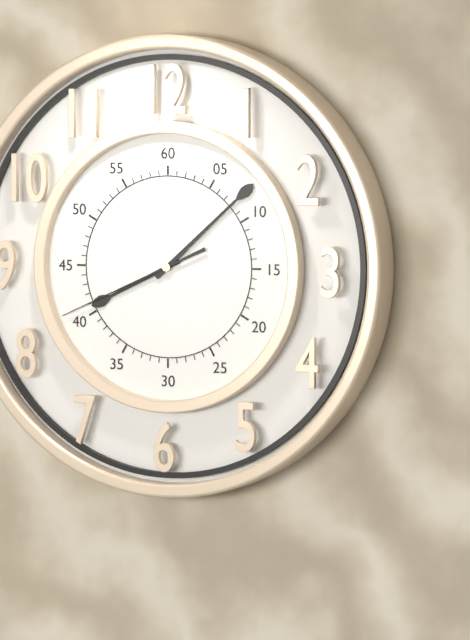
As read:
8,08,41
